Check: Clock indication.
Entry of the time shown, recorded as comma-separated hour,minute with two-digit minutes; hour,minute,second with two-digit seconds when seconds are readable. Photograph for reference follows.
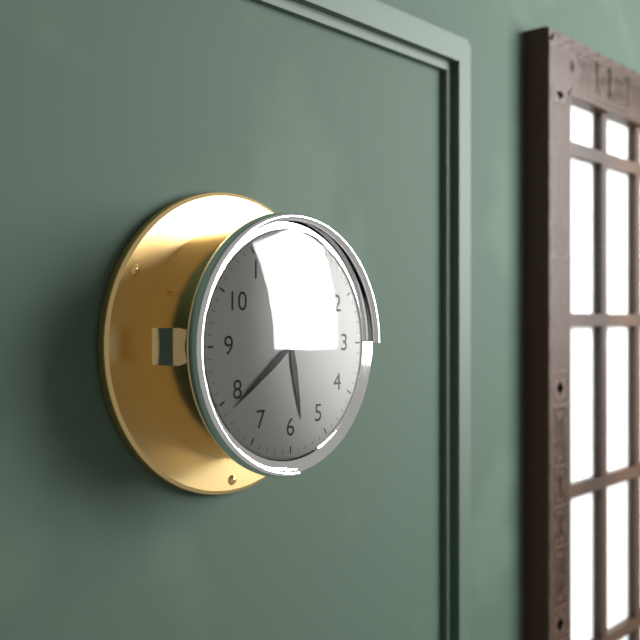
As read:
5,39
